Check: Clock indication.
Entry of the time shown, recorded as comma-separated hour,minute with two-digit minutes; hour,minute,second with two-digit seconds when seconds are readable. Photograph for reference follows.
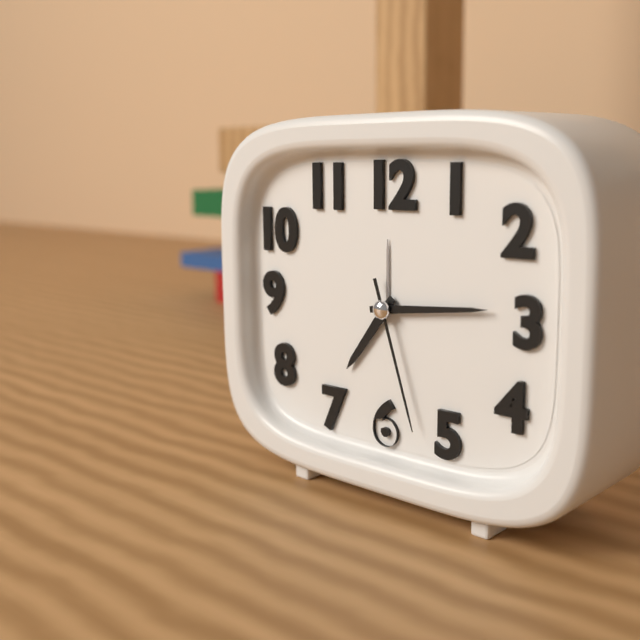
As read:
7,14,27
